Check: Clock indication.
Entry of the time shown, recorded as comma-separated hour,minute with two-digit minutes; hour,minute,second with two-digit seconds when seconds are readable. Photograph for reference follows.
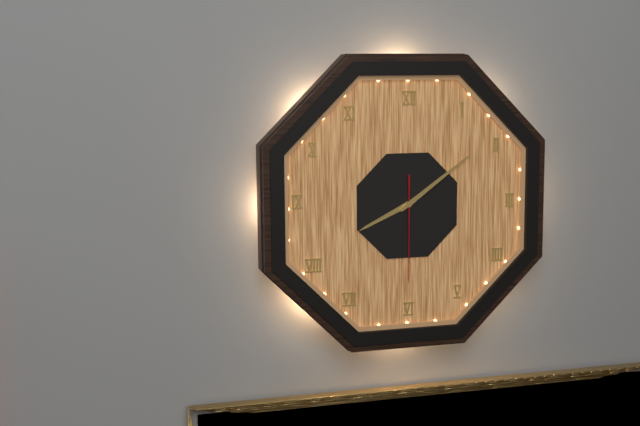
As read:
8,09,30
